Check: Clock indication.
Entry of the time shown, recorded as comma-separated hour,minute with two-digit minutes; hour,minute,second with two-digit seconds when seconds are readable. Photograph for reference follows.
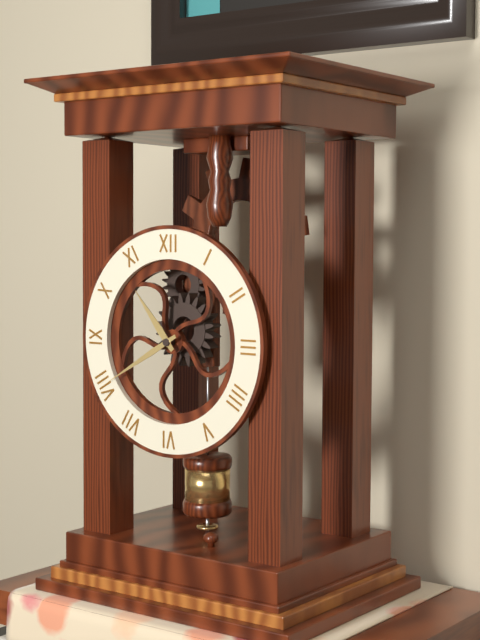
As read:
10,40
